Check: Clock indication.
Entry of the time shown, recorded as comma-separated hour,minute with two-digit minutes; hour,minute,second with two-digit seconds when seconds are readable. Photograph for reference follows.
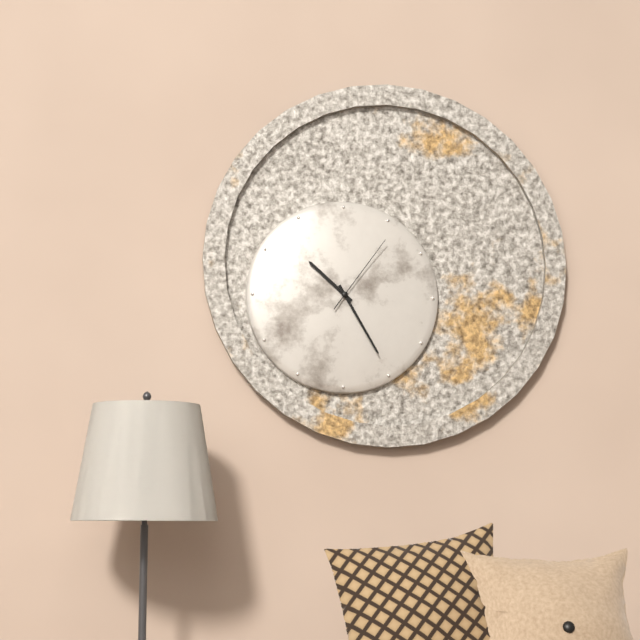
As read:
10,25,06
